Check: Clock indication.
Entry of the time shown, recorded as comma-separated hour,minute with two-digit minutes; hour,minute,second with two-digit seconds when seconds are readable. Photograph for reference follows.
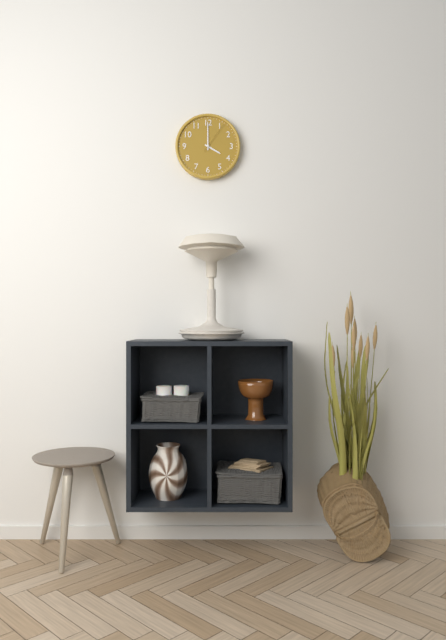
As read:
4,00
